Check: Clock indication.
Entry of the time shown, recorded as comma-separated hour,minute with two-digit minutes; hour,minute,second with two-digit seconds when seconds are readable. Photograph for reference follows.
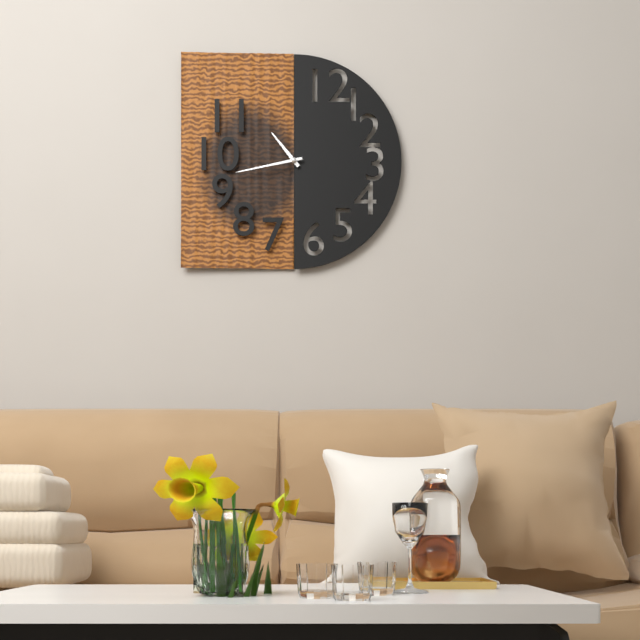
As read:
10,43
